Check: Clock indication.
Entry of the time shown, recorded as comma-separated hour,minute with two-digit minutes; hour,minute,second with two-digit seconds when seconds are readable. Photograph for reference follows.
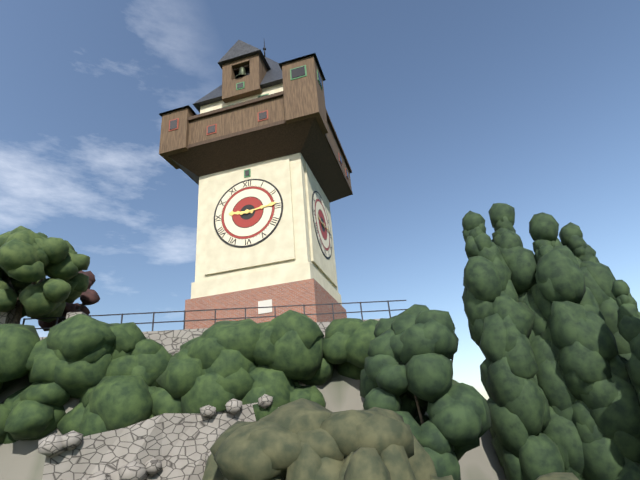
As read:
9,14
